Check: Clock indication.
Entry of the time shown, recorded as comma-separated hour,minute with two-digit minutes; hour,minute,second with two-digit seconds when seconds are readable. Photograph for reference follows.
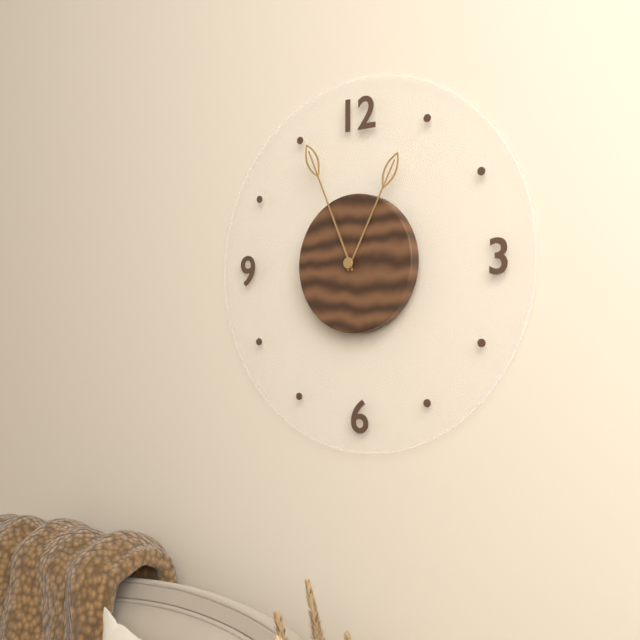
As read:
12,56
